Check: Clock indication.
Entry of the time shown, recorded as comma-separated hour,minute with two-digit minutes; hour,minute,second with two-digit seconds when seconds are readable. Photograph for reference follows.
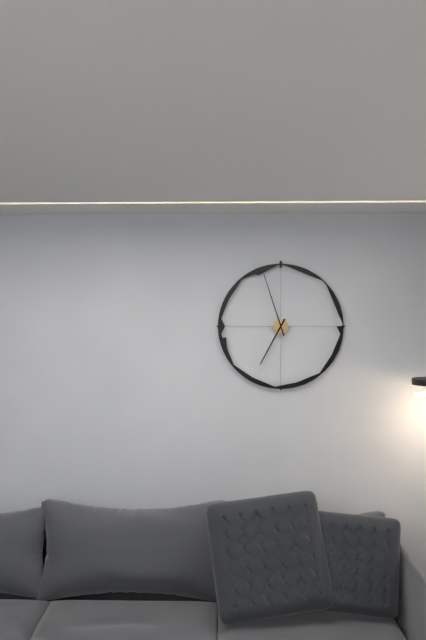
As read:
6,57
